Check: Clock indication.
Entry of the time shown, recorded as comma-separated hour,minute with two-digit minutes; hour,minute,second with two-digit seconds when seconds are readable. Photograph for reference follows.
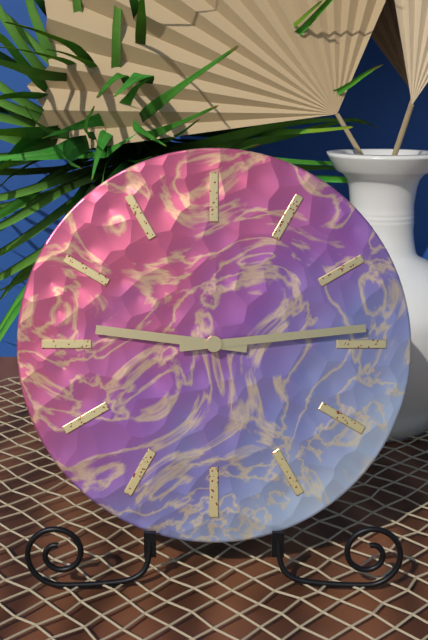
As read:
9,14
